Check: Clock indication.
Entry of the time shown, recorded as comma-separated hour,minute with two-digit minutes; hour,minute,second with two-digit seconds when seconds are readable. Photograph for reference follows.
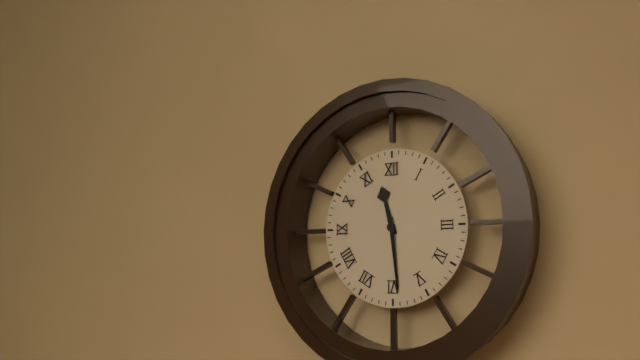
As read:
11,29
